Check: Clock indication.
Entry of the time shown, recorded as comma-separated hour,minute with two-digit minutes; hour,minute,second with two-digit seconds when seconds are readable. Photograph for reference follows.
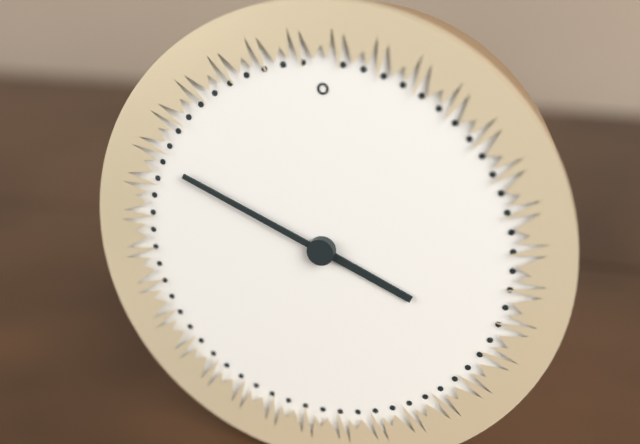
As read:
3,49
